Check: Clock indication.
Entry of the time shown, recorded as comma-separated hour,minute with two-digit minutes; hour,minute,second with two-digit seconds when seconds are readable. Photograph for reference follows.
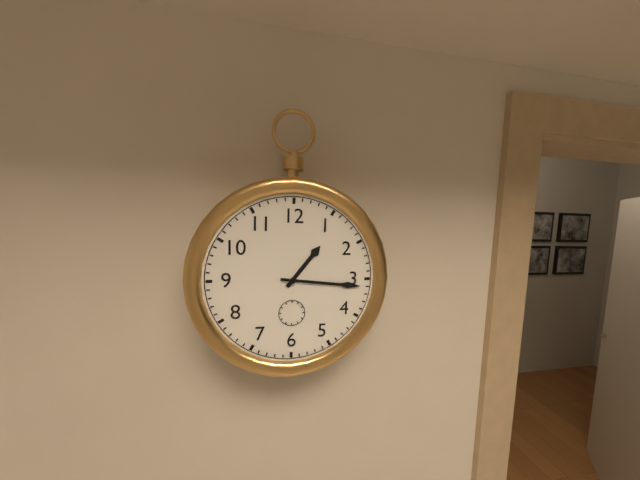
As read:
1,16
